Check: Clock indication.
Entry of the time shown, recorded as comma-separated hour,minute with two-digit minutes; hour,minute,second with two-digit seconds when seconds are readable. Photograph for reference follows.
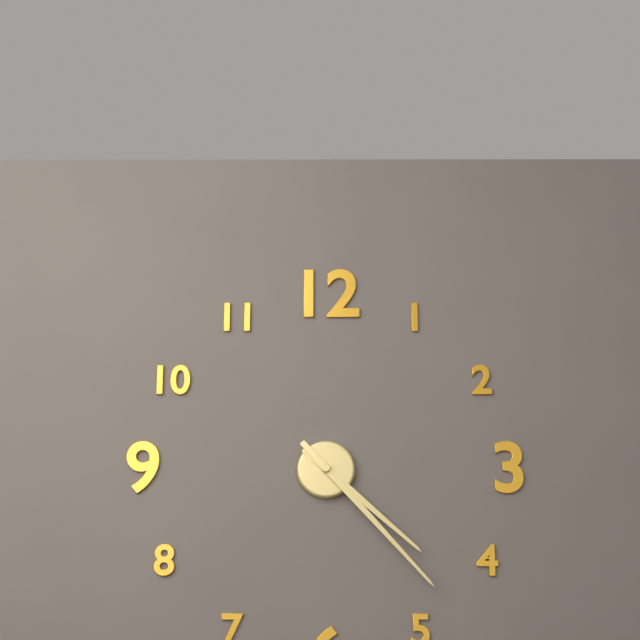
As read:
4,23
